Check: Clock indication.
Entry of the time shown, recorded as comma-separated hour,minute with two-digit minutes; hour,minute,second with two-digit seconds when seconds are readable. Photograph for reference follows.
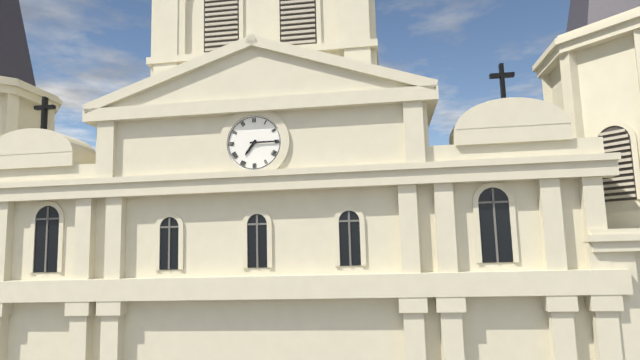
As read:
7,15
